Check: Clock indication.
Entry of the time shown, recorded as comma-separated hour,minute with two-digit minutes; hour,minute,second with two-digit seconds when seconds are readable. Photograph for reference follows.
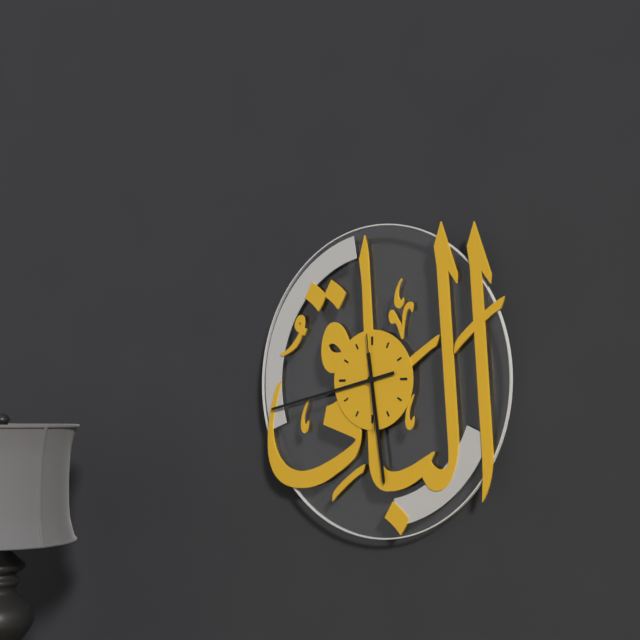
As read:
5,43,29
